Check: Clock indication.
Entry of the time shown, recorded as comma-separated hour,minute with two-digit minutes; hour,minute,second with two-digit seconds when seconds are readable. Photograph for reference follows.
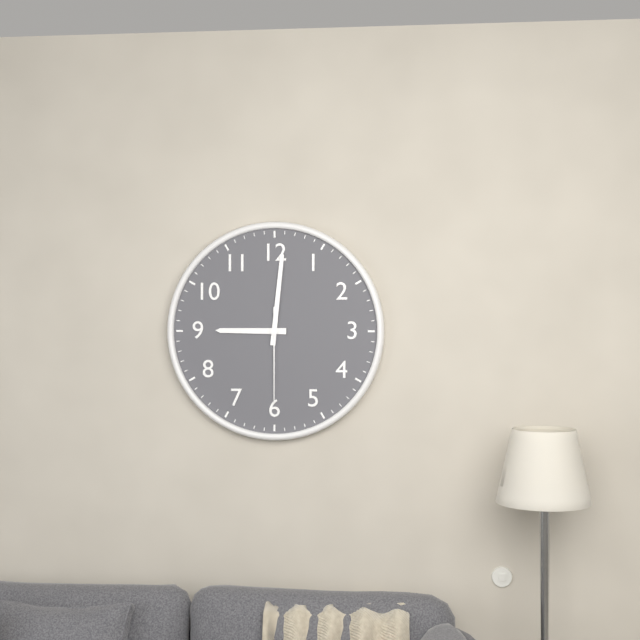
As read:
9,01,30
